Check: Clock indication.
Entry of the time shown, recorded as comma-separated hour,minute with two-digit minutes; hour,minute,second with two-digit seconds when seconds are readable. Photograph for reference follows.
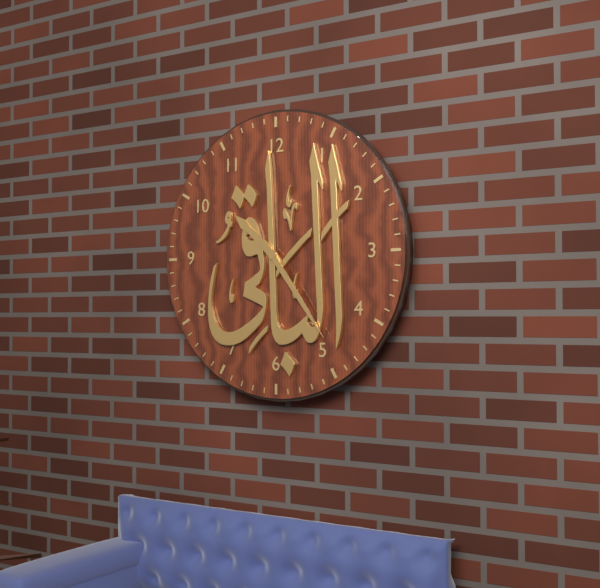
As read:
10,24
